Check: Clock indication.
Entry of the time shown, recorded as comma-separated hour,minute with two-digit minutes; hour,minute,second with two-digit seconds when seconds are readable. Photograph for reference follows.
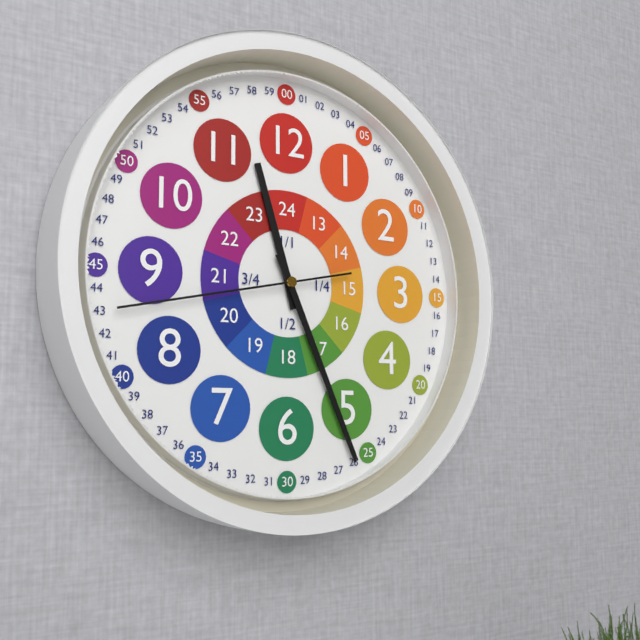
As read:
11,26,43
